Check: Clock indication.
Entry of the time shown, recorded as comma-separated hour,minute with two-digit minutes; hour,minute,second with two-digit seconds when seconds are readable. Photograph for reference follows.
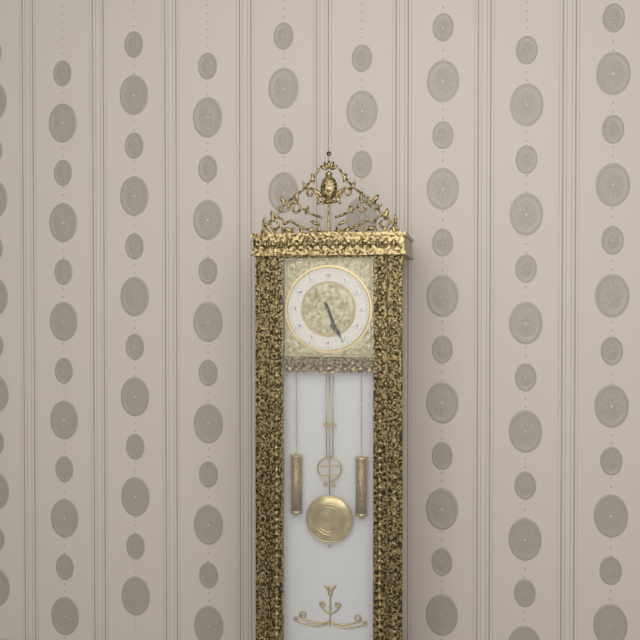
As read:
5,26
